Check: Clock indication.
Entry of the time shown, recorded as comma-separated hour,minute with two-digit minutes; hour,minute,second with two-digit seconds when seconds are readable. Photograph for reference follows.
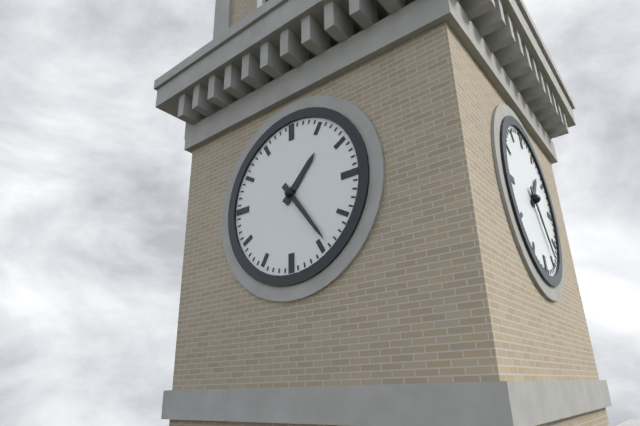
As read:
1,24
